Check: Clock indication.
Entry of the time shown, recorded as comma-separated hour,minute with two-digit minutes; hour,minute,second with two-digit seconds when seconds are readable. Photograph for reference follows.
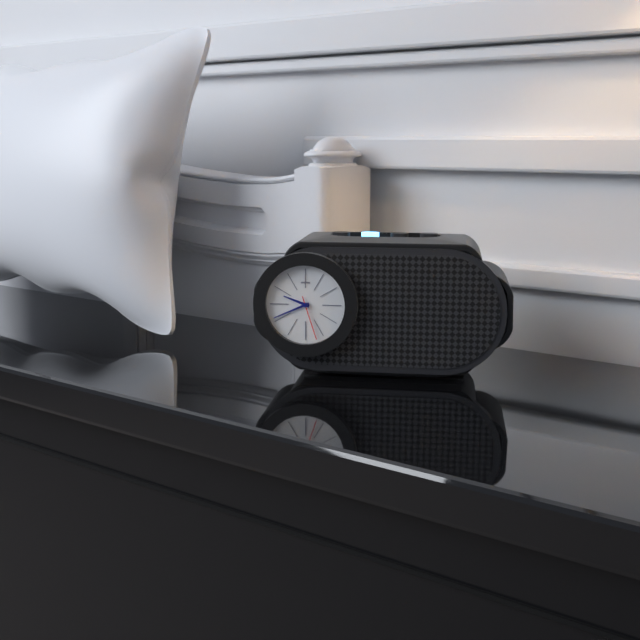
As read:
9,41,27
